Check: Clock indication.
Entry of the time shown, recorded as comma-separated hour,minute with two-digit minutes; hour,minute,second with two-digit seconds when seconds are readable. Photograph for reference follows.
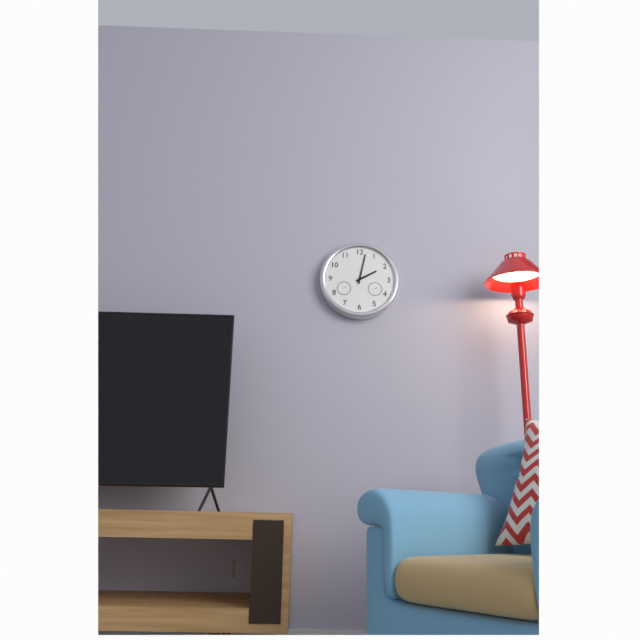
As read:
2,02
